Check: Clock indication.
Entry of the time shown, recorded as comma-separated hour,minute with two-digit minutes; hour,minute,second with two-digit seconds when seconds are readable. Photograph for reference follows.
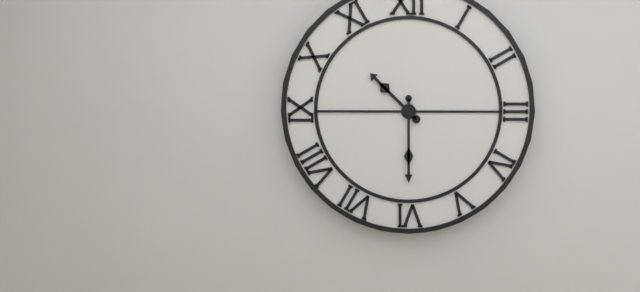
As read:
10,30
